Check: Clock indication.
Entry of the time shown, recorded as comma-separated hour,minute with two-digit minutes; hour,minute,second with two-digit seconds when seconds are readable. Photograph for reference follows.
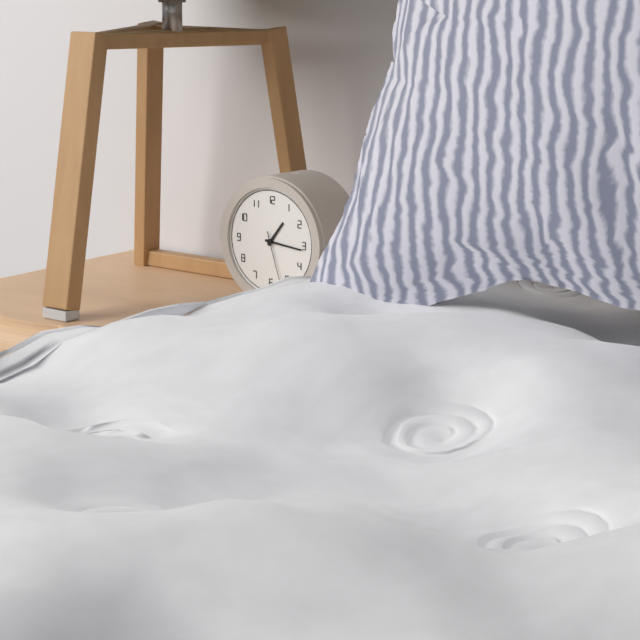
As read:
1,16,27
